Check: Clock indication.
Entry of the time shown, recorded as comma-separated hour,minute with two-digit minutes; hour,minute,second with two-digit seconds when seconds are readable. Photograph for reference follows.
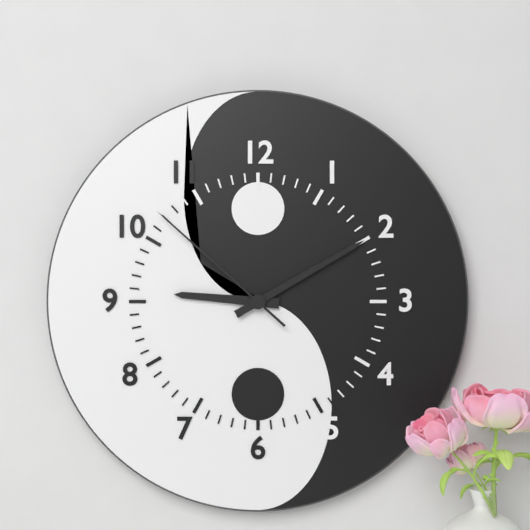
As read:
9,10,52
